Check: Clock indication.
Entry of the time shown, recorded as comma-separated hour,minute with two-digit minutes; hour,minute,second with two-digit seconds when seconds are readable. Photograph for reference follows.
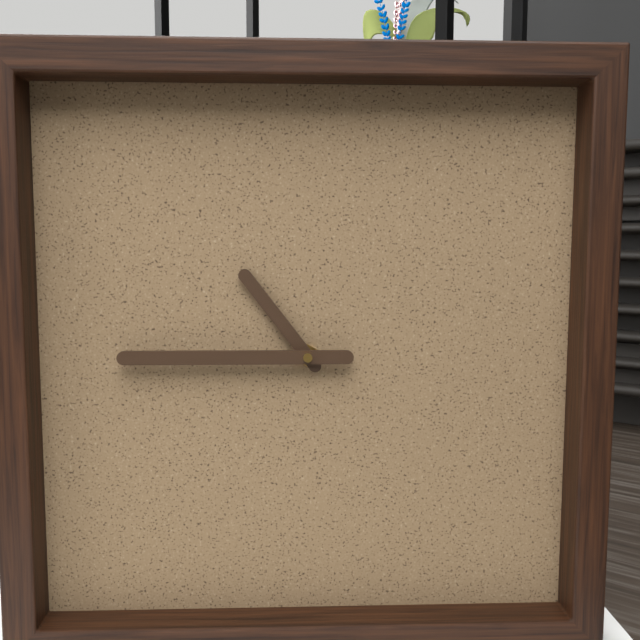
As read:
10,45
